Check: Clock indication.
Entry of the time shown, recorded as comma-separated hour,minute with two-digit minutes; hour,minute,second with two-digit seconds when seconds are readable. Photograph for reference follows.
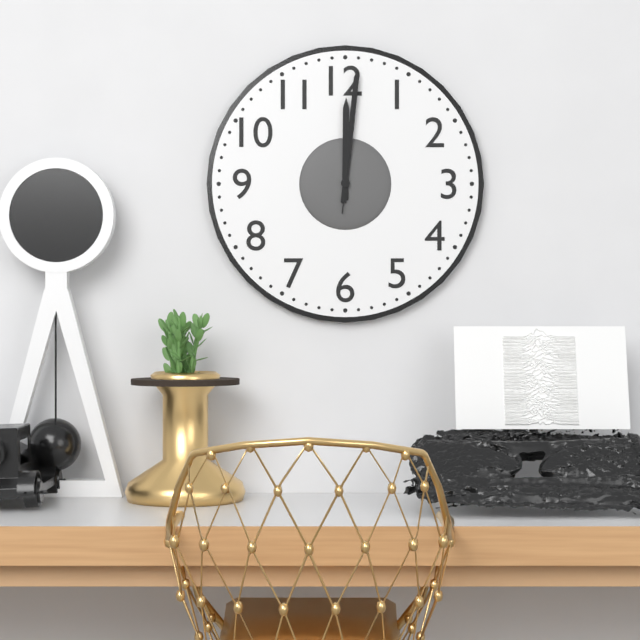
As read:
12,01,01
